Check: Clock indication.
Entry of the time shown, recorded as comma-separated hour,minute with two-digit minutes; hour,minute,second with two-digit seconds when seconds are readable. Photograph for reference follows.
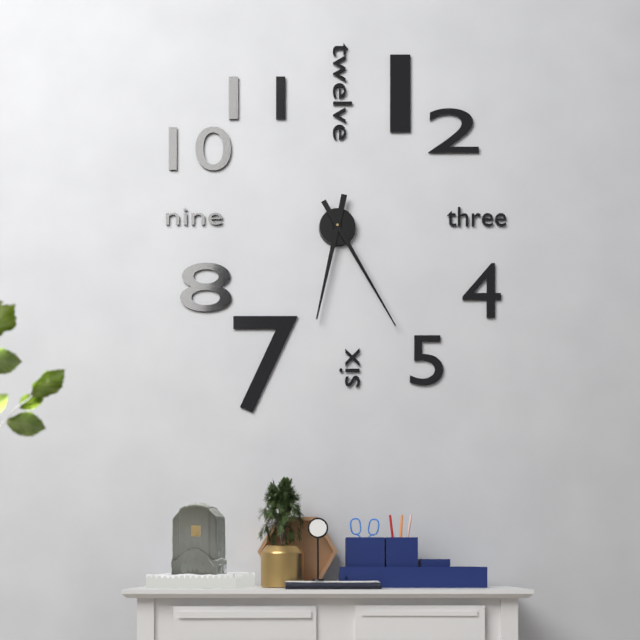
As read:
6,25
